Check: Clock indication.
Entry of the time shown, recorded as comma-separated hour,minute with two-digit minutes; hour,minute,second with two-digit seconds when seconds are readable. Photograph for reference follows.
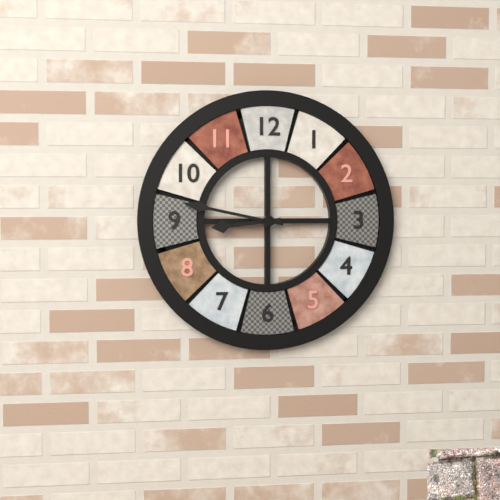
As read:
8,47
